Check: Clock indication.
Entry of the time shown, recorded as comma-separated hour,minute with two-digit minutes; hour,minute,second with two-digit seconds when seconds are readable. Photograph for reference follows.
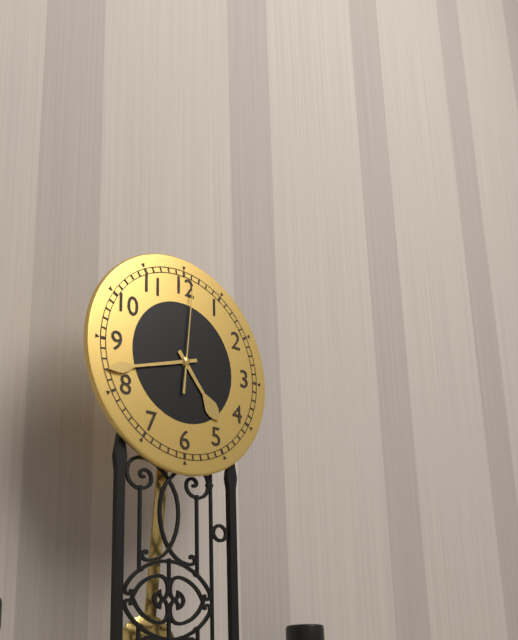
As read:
4,42,01
